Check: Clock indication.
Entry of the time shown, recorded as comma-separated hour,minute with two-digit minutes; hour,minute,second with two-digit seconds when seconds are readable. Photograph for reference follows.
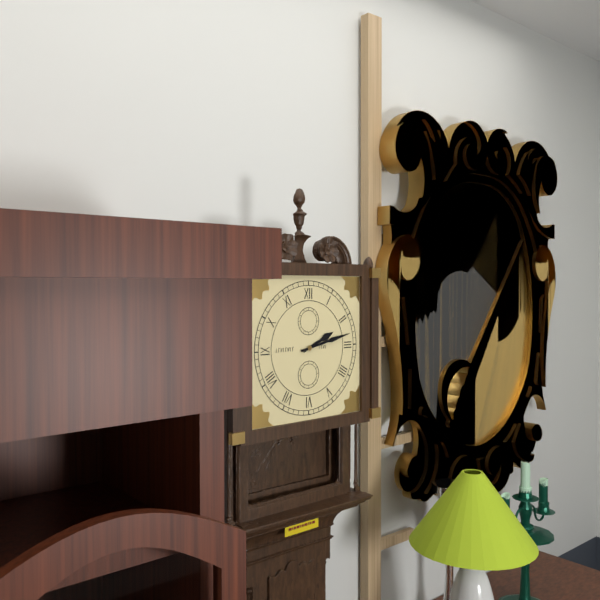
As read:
2,13
